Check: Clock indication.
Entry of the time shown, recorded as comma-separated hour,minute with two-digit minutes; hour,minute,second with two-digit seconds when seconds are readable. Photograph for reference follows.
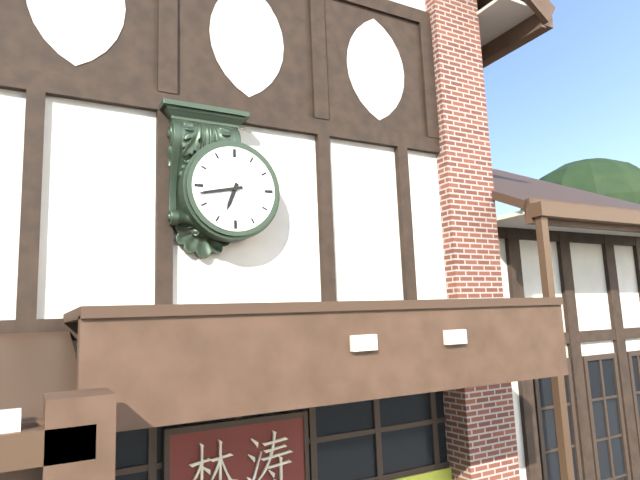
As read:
6,43
